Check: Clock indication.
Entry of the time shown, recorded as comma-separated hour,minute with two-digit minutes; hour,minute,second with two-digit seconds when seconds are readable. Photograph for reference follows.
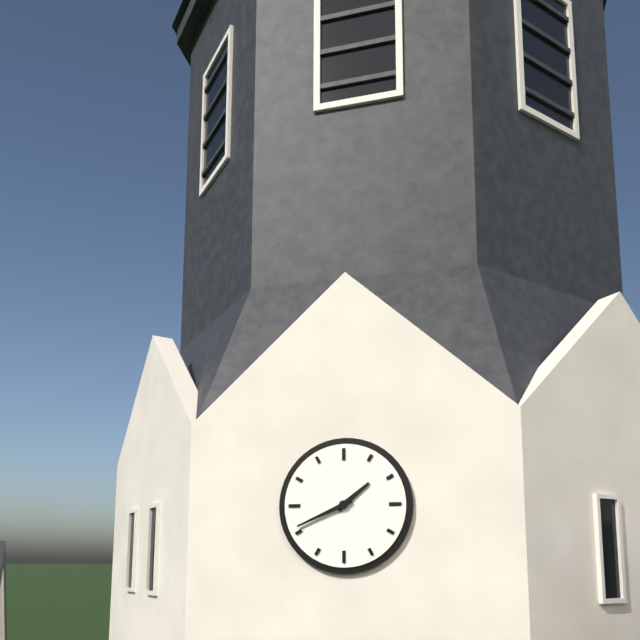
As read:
1,41
